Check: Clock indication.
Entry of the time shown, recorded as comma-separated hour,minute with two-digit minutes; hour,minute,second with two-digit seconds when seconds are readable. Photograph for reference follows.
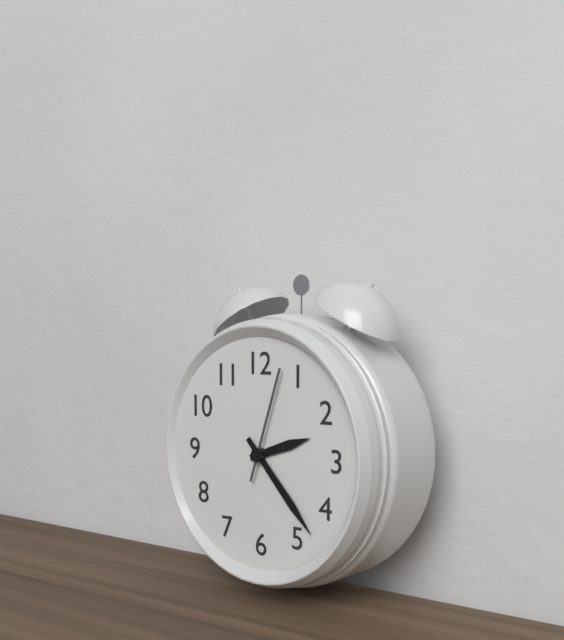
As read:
2,23,03
